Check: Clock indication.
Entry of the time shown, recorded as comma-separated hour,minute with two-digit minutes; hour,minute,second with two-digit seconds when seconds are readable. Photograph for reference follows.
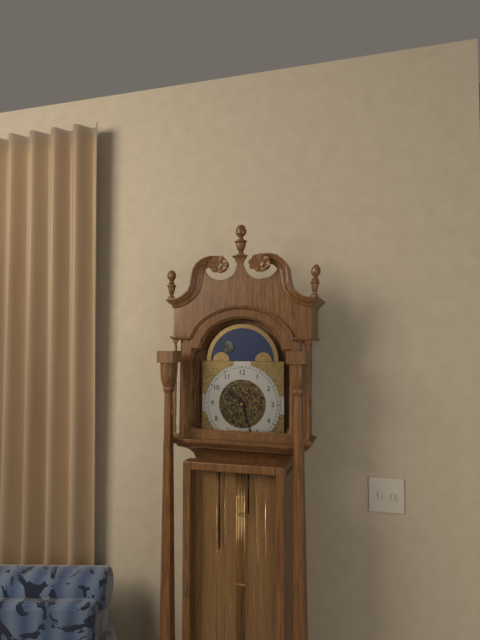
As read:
10,27
